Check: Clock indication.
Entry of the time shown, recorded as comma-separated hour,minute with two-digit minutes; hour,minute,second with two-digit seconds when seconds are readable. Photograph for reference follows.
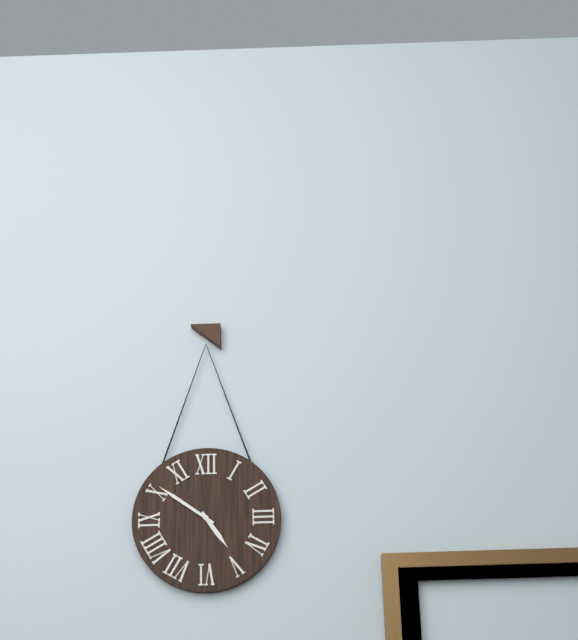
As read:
4,51
